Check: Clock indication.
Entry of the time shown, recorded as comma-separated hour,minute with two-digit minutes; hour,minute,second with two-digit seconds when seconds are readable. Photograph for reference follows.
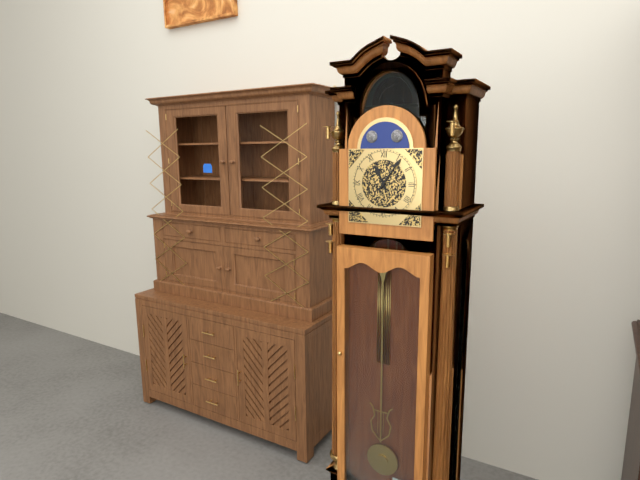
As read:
11,06
